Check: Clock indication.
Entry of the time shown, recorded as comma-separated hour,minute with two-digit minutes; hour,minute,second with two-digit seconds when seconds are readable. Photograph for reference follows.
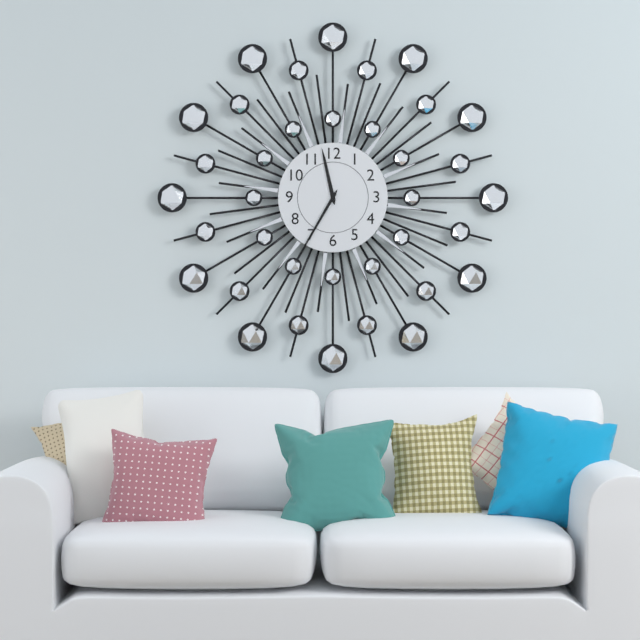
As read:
11,35
